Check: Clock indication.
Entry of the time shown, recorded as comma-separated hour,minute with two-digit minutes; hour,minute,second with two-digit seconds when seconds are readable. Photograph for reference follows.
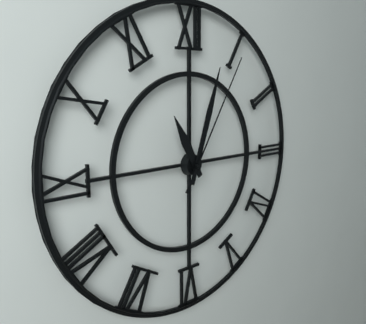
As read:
11,03,05
